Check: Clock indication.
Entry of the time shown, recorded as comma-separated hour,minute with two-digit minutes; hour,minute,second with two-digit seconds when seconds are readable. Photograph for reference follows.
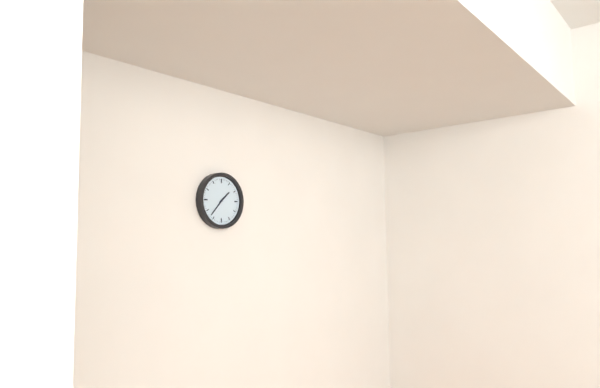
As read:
1,37
